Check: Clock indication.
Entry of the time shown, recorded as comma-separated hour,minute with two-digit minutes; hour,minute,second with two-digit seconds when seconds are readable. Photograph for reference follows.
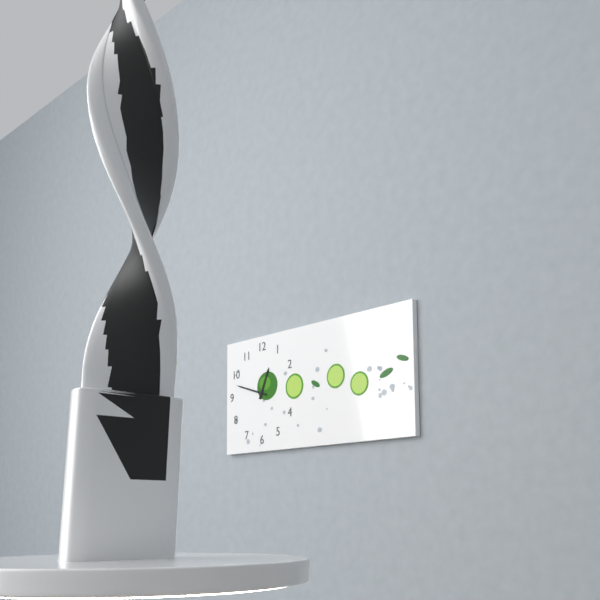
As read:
12,48
